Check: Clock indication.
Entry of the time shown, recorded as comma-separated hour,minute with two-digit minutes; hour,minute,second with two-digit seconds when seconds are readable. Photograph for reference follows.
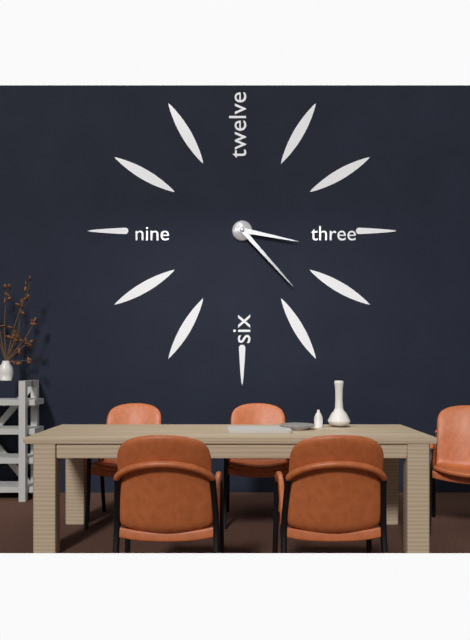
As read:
3,23
